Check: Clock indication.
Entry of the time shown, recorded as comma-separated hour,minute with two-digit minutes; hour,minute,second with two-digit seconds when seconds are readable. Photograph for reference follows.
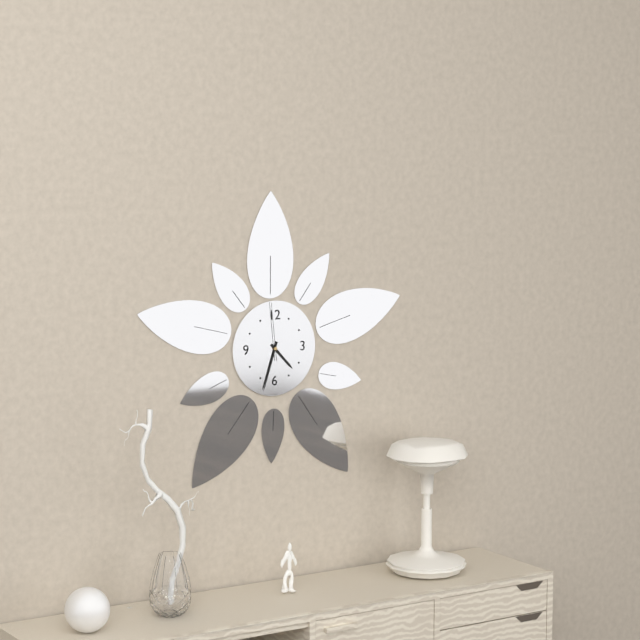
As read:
4,33,59
